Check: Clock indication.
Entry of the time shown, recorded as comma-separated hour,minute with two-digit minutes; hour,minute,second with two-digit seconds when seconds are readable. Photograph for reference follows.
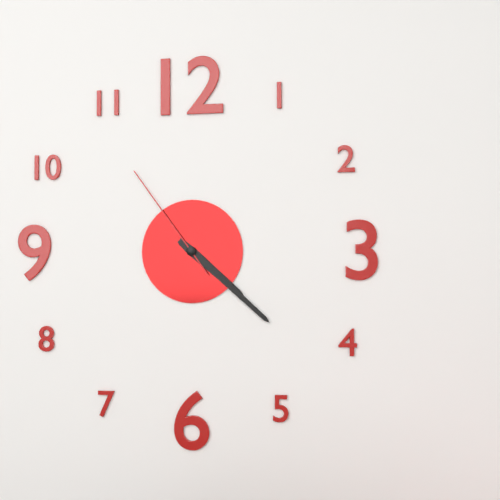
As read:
4,22,54
